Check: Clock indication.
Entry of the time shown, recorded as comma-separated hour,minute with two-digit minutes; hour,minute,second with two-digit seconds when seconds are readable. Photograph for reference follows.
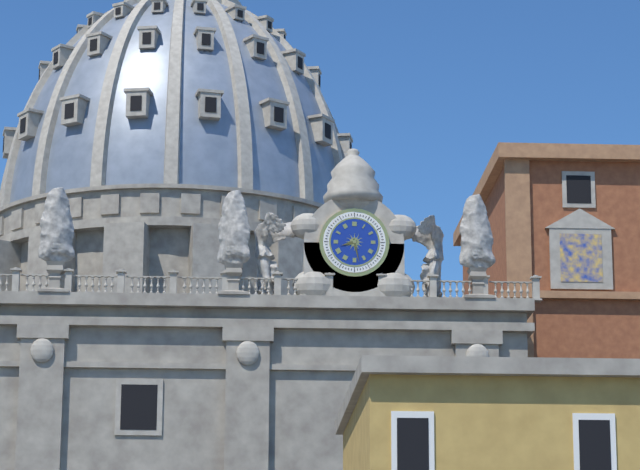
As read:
8,28
